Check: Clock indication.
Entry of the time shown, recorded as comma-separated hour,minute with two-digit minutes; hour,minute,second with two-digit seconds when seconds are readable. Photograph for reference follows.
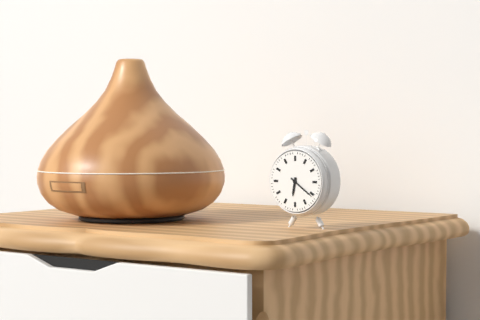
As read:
6,21
